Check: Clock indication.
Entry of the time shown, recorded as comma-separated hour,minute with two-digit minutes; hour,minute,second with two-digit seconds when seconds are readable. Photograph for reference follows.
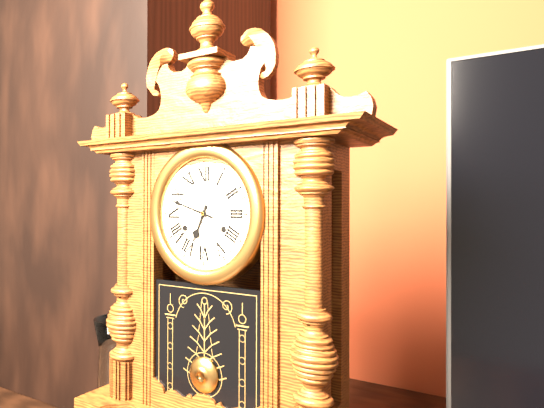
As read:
6,48
